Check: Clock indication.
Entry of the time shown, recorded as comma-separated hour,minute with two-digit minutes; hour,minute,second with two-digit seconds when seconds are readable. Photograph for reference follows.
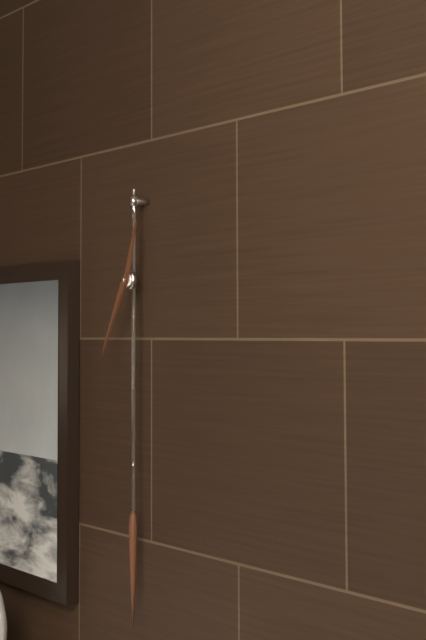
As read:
12,35
